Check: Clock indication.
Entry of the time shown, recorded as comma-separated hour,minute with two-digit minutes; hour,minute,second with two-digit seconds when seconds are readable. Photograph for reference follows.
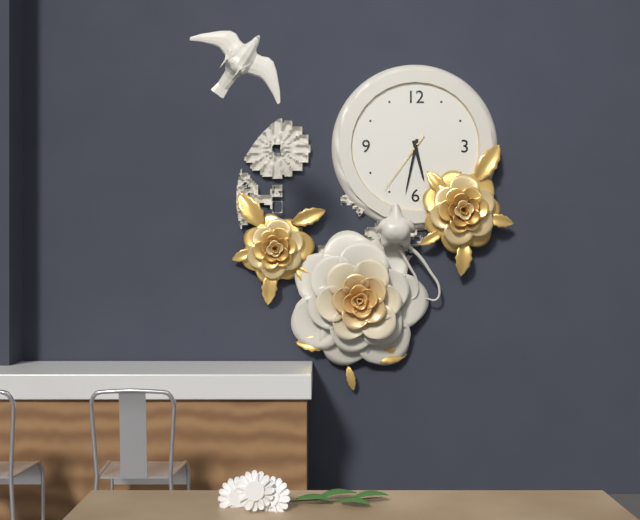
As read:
5,32,36
